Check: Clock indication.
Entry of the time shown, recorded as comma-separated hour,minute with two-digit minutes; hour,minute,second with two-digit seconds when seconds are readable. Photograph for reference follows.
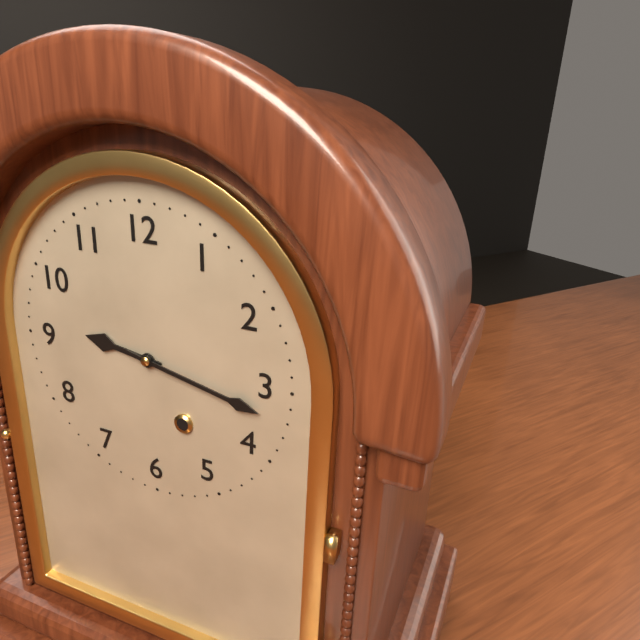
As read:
9,17
